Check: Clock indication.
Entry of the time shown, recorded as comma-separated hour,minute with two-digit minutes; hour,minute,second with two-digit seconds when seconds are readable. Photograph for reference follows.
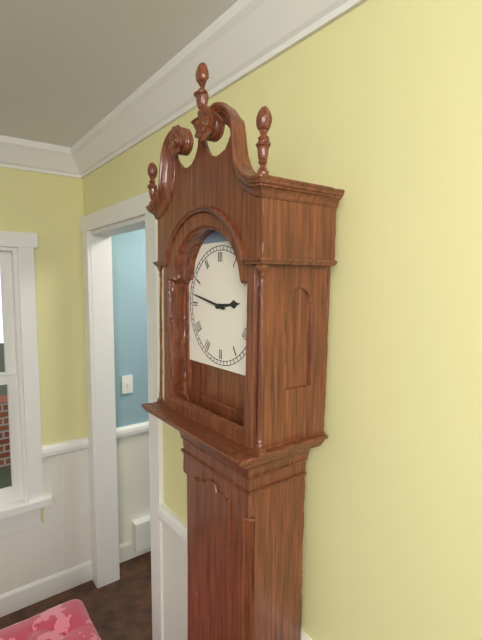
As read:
2,47
